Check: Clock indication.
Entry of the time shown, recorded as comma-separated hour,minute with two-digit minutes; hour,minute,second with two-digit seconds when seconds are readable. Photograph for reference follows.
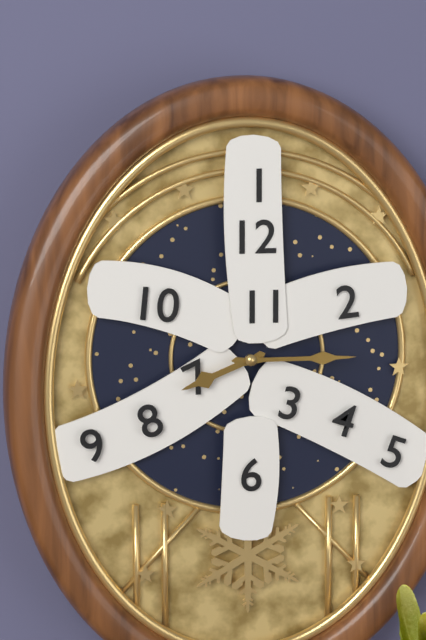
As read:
8,15
